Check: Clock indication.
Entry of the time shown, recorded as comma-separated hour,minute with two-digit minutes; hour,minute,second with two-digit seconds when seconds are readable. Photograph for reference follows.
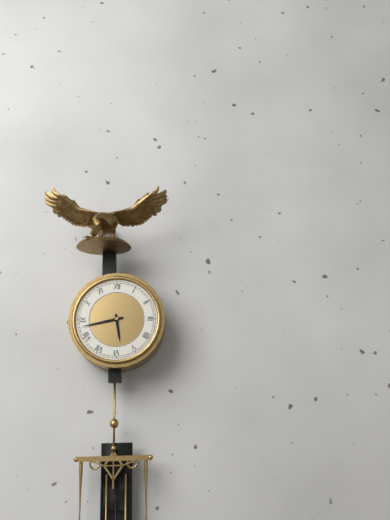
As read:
5,43
